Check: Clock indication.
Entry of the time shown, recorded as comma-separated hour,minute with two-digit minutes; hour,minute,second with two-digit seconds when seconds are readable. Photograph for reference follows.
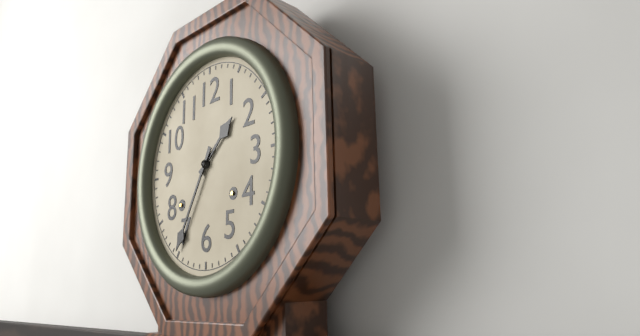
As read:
1,35
